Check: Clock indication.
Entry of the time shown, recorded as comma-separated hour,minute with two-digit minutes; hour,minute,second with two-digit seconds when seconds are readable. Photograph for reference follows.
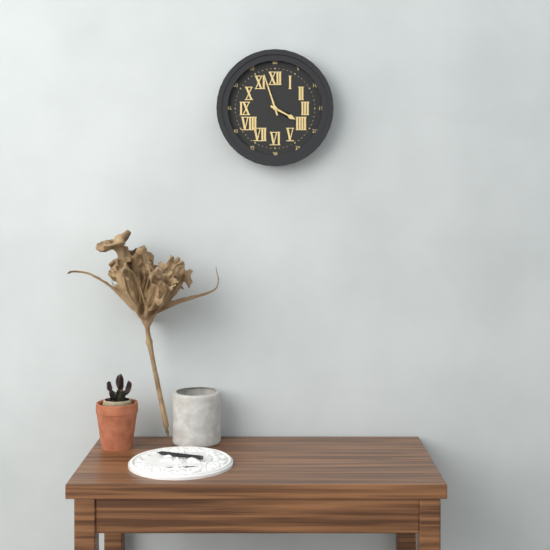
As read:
3,57
